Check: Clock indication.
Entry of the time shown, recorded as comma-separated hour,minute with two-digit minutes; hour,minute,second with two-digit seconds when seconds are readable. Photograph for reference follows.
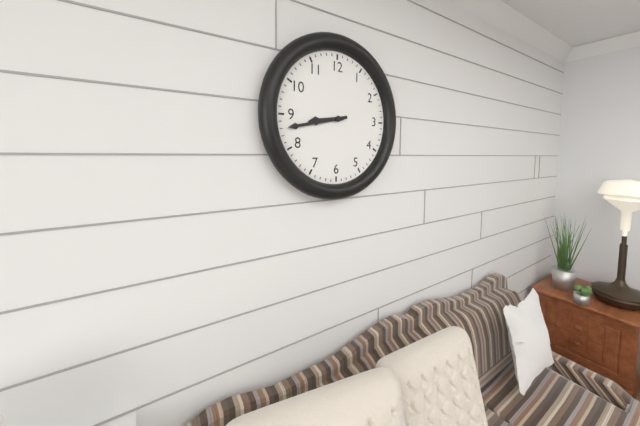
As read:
8,43
